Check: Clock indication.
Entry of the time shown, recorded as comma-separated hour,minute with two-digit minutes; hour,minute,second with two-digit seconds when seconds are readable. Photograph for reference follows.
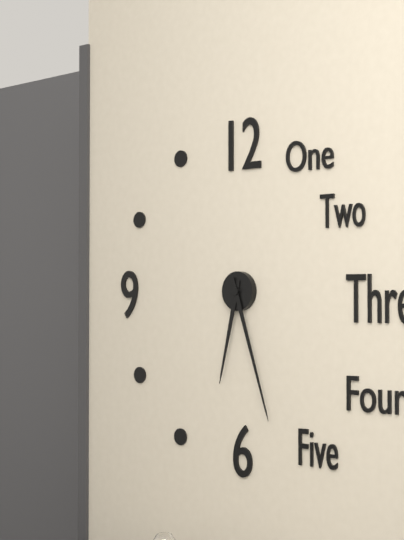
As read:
6,27
